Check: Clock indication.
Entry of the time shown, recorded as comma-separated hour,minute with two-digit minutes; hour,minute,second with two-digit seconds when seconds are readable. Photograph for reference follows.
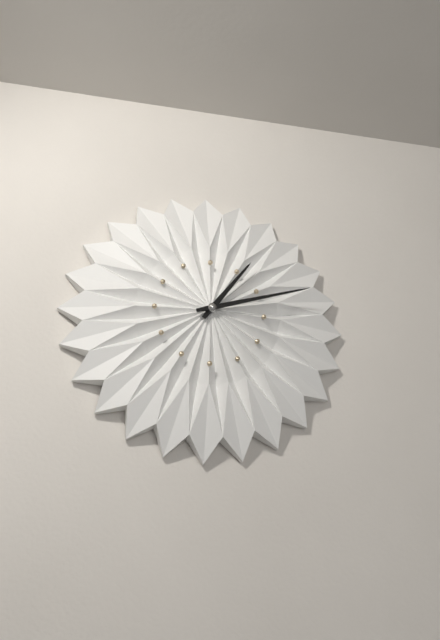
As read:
1,12
